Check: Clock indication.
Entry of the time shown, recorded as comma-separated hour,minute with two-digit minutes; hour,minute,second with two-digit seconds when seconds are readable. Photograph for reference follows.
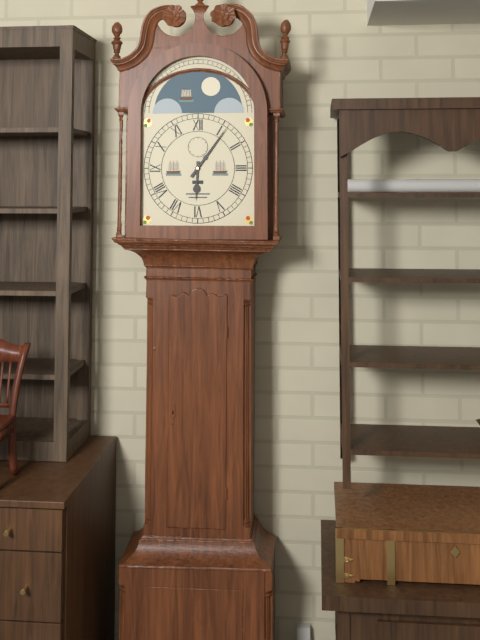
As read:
6,06
